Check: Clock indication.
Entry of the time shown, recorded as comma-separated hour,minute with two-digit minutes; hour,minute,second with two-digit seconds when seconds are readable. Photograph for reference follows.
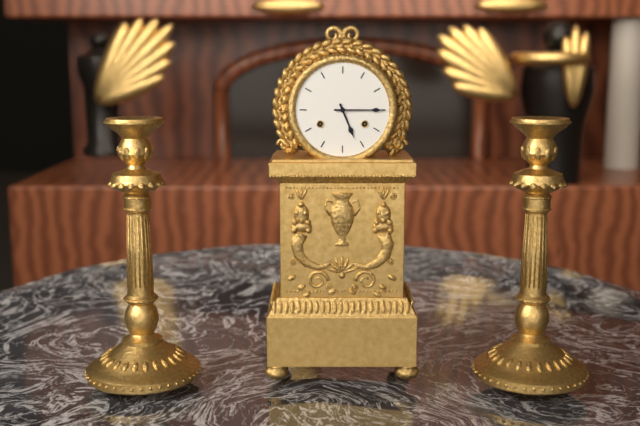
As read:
5,15
